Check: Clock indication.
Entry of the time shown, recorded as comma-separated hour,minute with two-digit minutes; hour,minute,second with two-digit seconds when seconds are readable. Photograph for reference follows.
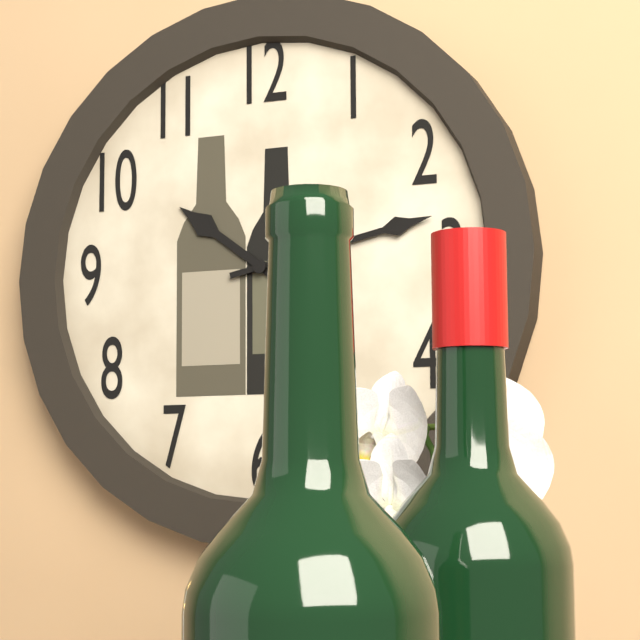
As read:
10,13
